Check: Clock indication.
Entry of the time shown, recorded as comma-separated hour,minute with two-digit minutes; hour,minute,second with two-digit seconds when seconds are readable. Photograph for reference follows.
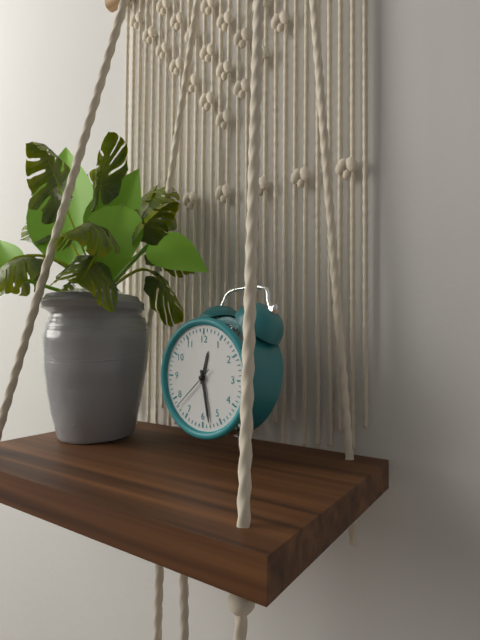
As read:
12,28
